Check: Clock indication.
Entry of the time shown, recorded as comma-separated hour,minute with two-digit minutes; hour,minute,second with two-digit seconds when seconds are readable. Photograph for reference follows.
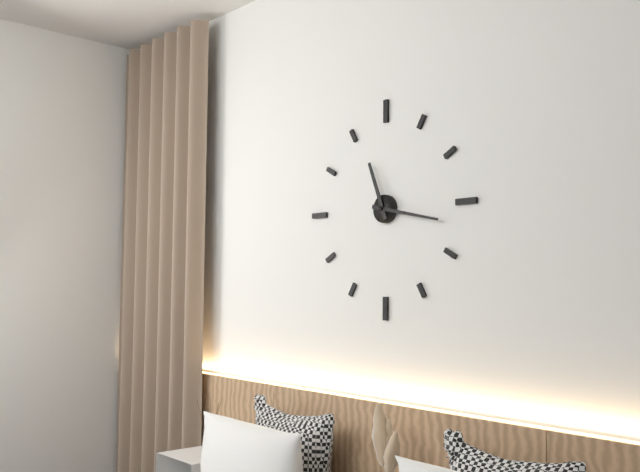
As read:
11,17
